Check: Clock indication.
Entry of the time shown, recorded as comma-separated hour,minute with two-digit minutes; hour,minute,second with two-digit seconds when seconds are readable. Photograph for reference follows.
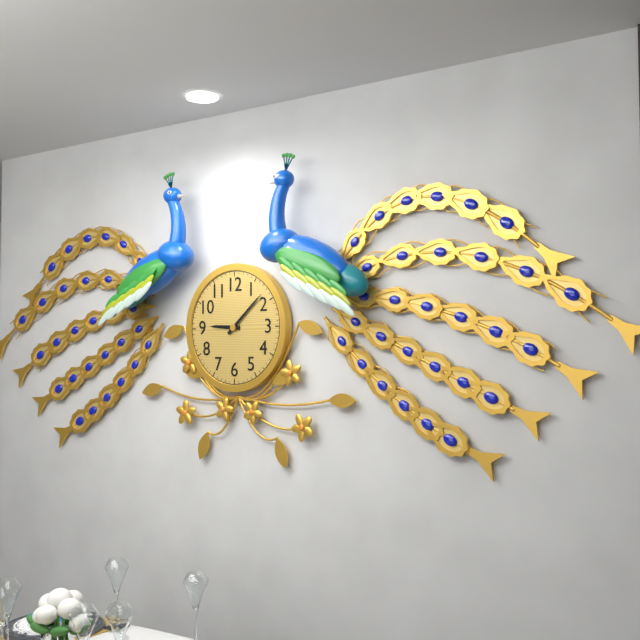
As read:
9,08
